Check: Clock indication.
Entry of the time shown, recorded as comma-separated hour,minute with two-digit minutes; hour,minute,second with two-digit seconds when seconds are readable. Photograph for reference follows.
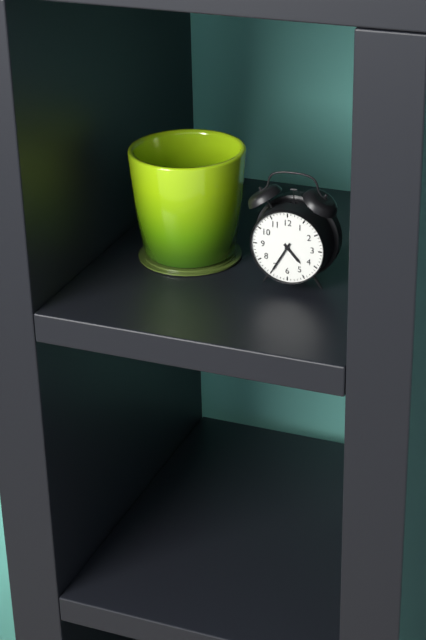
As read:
4,35
